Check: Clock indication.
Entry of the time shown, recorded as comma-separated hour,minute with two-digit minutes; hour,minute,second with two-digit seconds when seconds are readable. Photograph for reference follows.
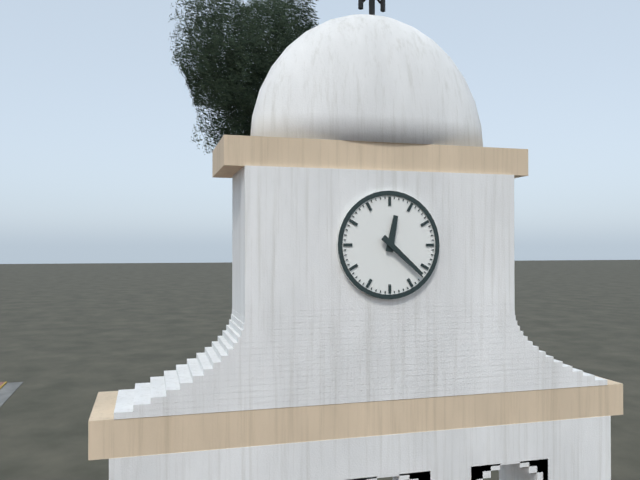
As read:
12,22
